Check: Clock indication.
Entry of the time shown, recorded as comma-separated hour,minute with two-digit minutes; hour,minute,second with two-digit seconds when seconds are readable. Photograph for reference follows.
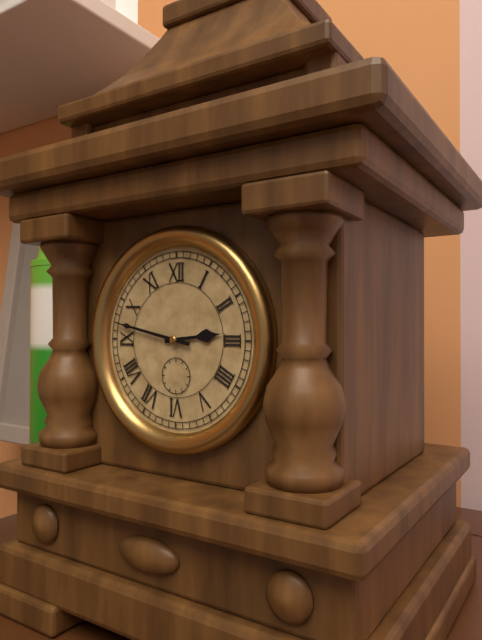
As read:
2,47
